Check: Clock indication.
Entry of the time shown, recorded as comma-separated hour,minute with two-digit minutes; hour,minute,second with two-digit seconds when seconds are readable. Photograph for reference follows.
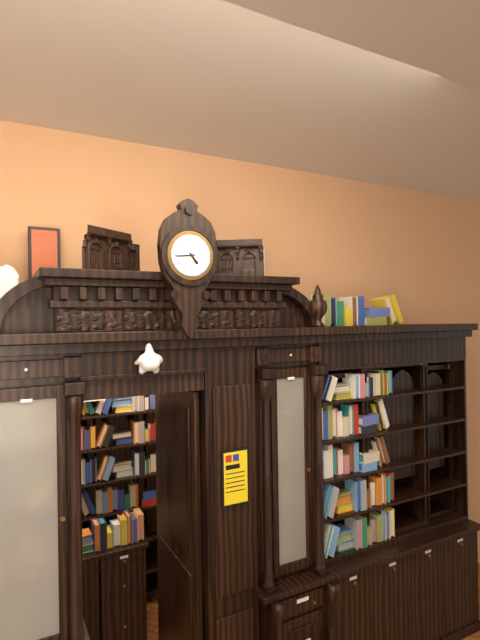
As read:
4,44
